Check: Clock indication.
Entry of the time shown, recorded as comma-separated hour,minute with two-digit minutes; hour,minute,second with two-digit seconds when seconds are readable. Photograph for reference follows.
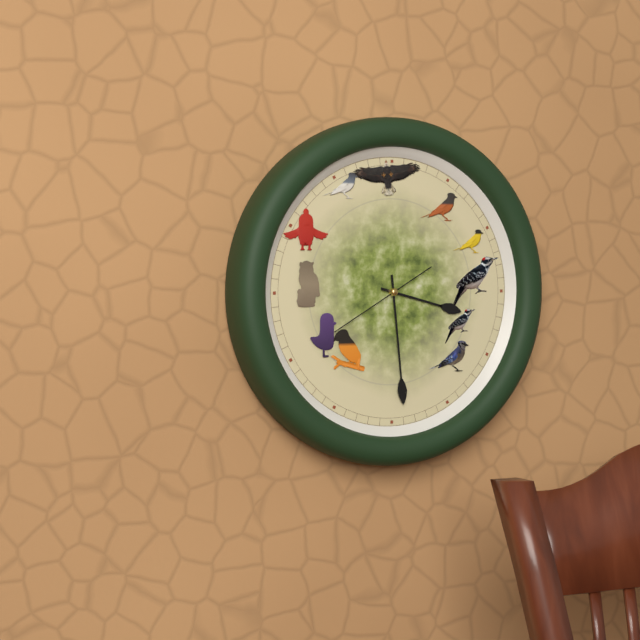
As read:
3,29,40
